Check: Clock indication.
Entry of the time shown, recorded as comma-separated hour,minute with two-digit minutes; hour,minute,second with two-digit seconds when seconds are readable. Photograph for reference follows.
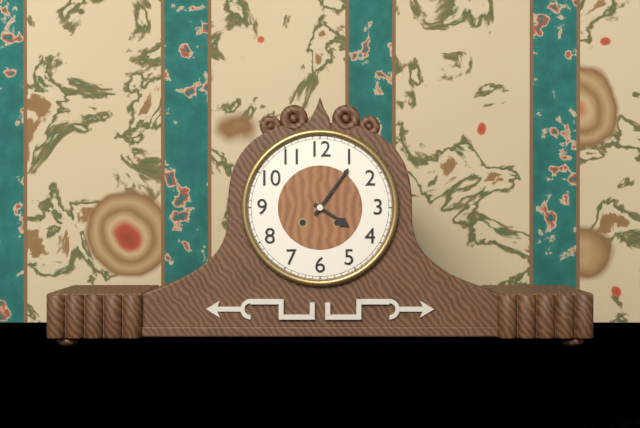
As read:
4,06
